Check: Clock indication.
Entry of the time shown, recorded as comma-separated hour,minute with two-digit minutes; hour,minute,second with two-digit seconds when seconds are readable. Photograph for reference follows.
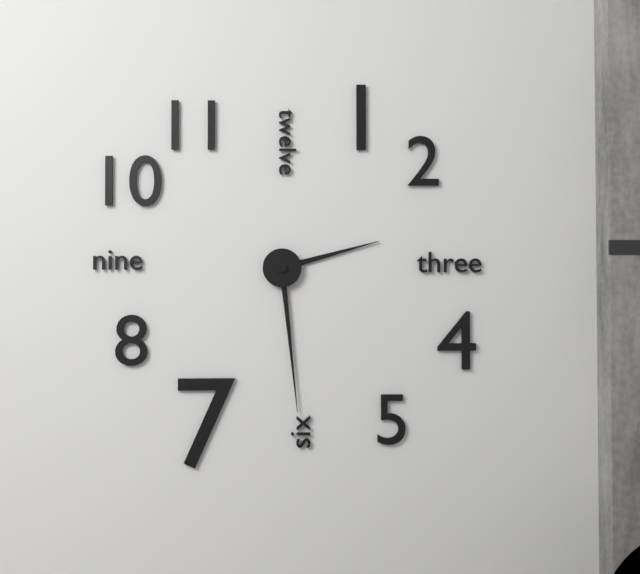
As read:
2,29
